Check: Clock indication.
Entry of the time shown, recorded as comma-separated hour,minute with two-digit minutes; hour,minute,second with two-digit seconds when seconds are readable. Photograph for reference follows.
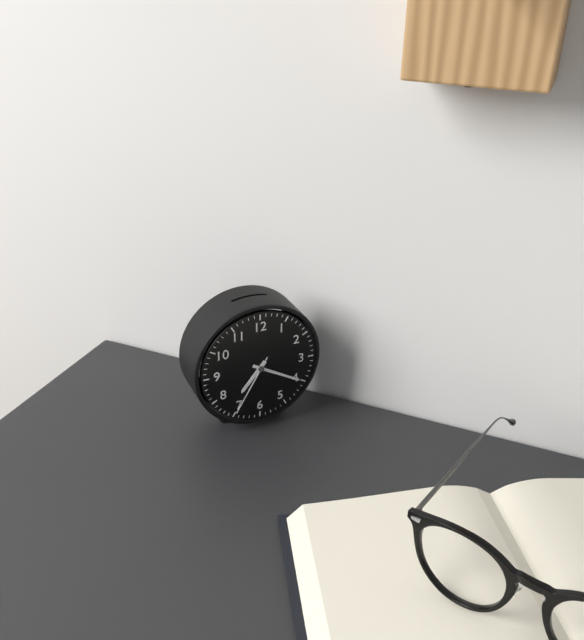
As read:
7,20,35
